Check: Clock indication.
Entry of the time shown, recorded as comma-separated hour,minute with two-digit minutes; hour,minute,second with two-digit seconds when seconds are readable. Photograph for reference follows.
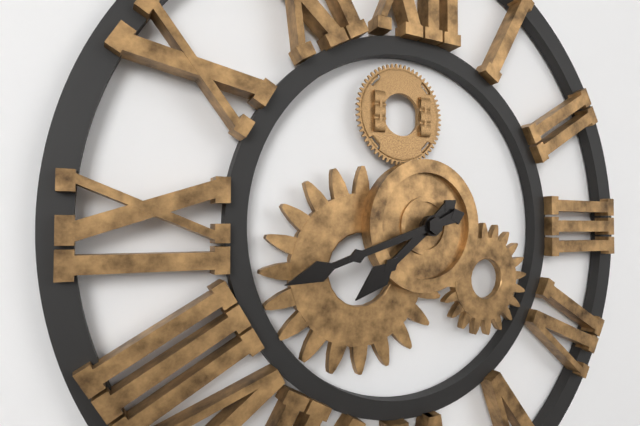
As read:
7,42
